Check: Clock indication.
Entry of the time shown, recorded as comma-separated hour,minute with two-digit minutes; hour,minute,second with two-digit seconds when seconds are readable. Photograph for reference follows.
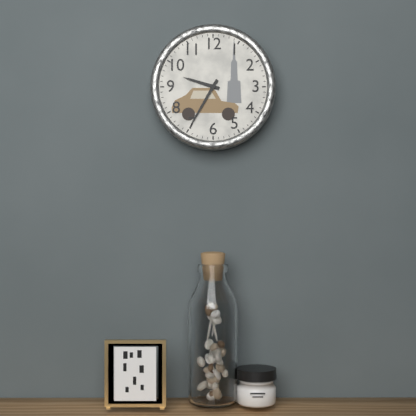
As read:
9,35
